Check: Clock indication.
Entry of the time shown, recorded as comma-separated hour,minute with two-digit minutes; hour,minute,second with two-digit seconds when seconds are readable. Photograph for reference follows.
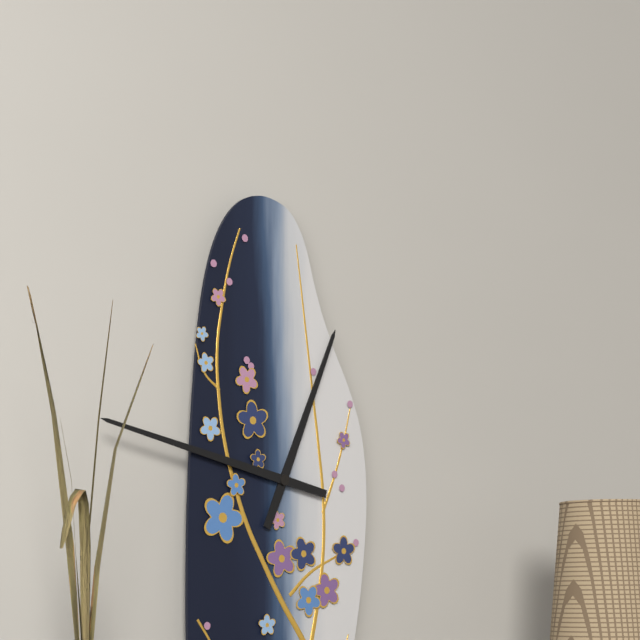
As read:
12,47
